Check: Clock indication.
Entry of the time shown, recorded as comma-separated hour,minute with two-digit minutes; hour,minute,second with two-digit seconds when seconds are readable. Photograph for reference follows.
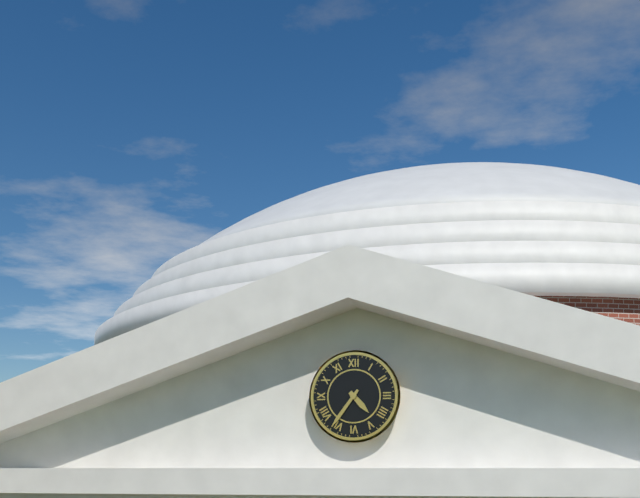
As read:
4,36
